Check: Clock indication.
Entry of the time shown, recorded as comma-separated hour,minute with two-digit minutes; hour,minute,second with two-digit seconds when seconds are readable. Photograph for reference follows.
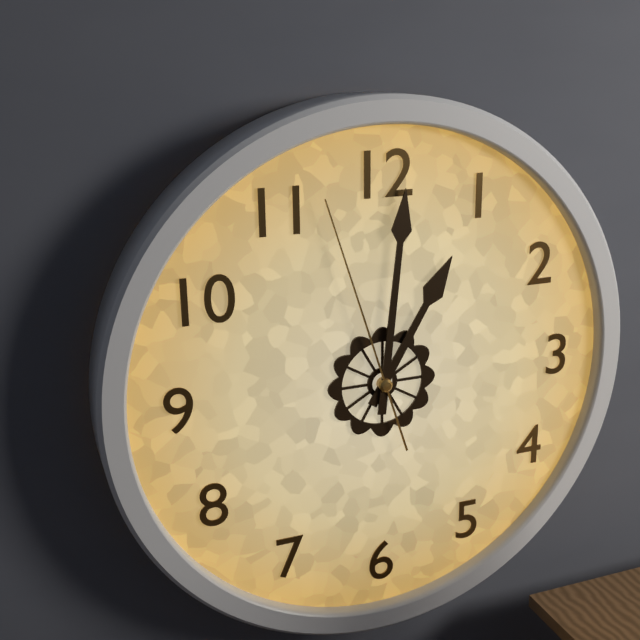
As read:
1,01,57
